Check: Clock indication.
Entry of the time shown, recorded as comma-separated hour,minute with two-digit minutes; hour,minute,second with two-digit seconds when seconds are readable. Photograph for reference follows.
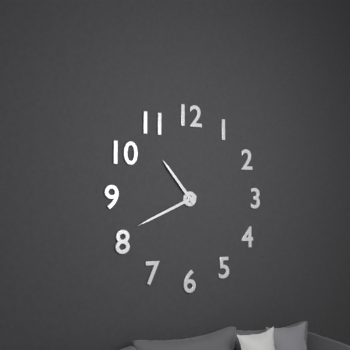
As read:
10,41
